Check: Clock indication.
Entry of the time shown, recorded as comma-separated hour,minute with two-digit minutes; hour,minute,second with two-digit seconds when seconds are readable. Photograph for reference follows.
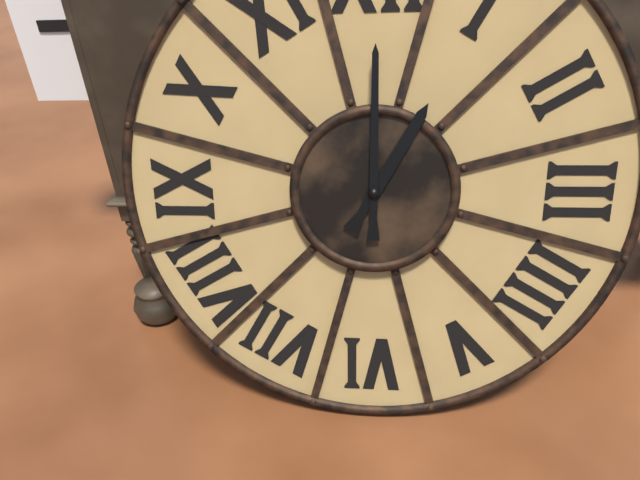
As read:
1,00
